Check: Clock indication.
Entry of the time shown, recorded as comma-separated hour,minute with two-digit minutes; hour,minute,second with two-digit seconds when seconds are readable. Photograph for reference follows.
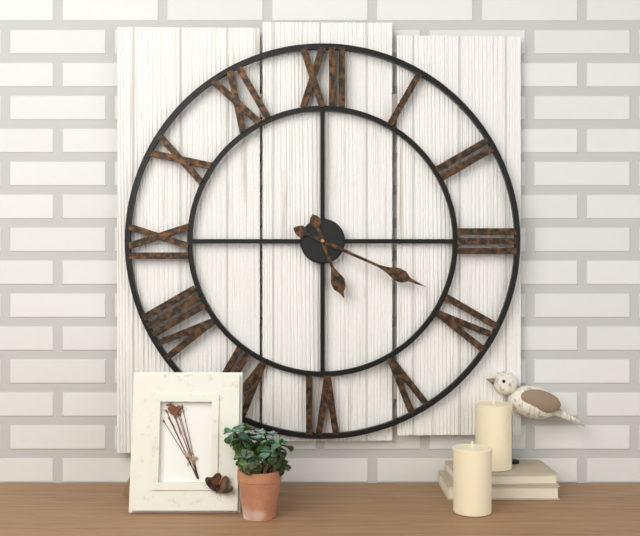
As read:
5,19
